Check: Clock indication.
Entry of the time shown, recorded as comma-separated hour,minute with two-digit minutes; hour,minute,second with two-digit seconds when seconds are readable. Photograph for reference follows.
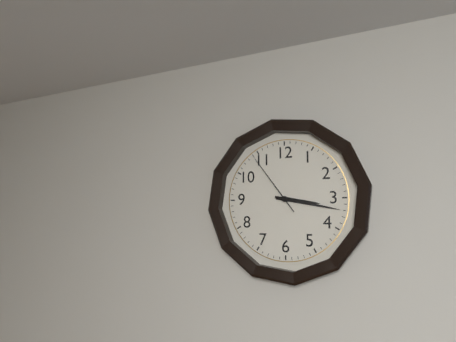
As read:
3,17,54
